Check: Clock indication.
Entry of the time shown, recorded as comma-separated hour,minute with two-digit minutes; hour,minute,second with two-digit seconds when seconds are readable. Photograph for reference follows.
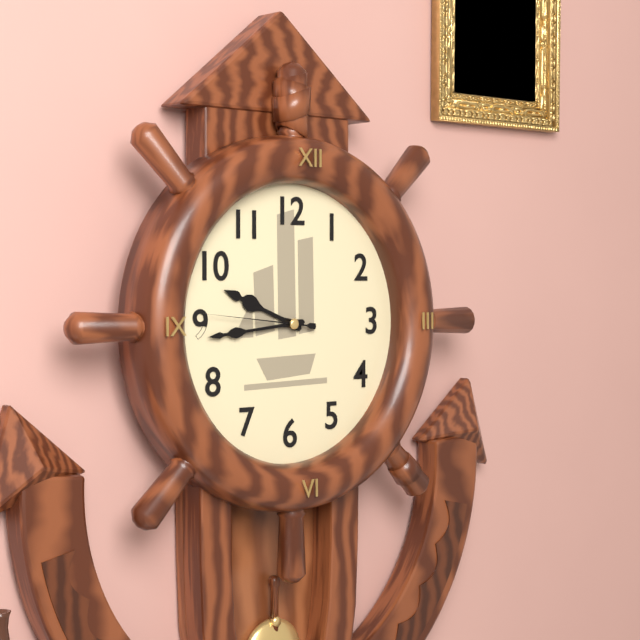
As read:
9,44,46
